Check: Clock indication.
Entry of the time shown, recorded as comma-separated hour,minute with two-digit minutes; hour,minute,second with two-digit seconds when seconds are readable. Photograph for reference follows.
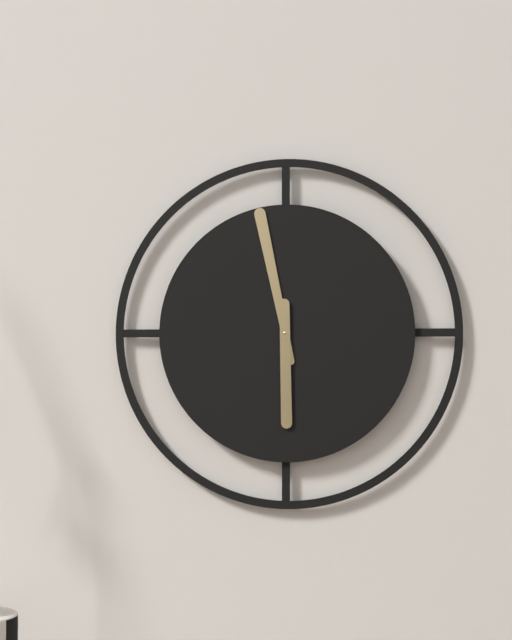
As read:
5,58
